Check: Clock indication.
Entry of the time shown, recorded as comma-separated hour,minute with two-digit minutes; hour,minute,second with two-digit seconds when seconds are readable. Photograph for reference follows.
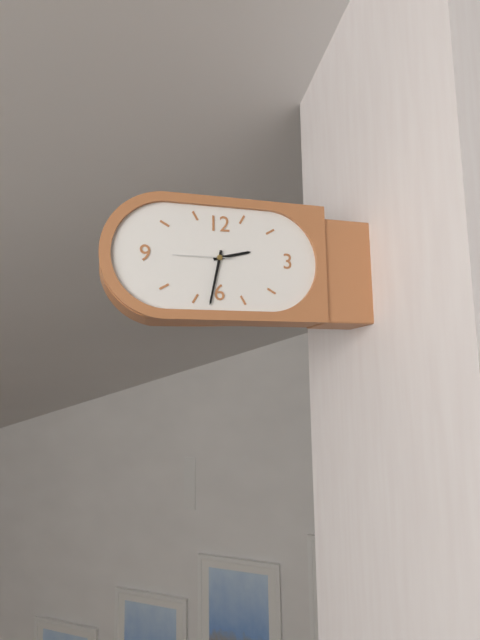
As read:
2,32,45
